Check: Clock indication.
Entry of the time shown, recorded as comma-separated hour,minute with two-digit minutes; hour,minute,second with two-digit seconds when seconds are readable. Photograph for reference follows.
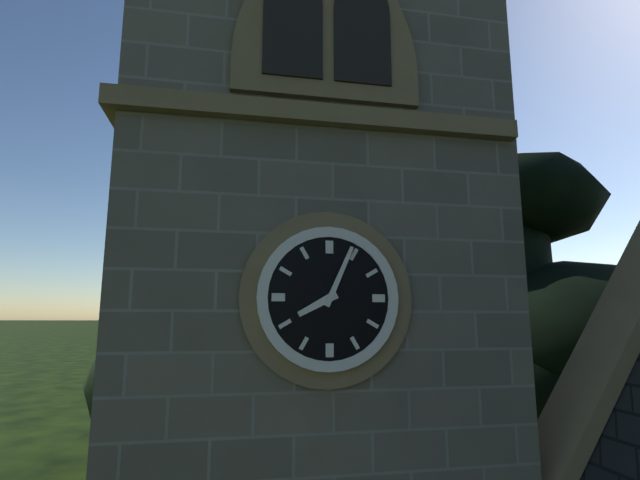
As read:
8,04
